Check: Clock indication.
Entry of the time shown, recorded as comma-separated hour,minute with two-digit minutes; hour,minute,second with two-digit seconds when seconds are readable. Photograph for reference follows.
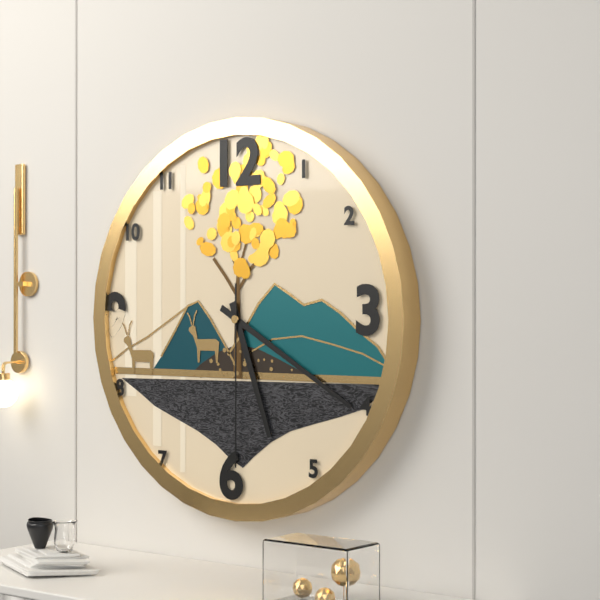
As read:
5,20,30
